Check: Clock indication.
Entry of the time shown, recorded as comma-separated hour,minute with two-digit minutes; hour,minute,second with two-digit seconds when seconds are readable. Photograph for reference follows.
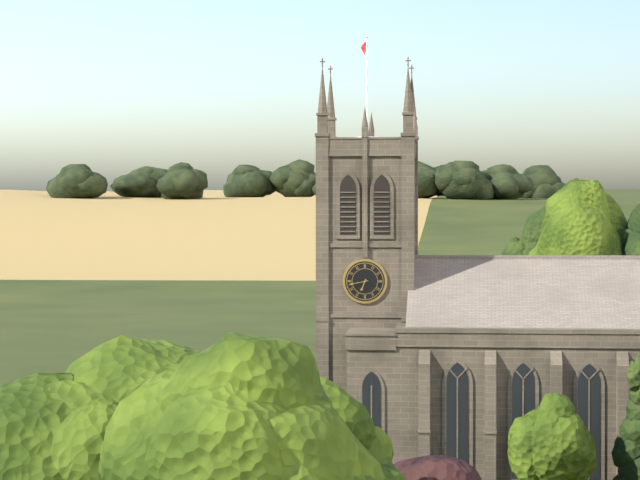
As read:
6,43
